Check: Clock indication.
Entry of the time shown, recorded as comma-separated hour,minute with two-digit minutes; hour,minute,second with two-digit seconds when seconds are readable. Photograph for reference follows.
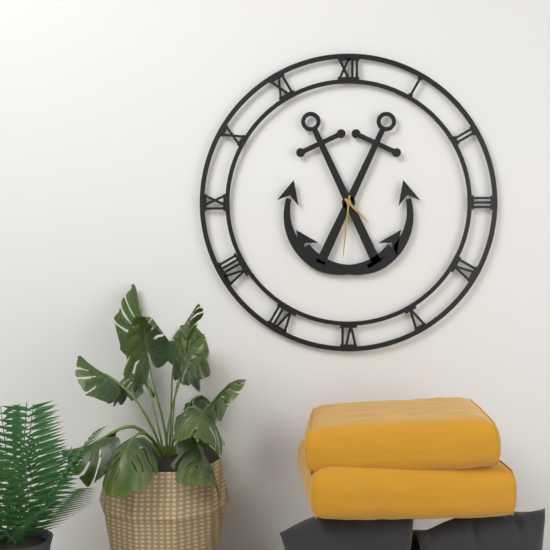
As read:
4,31
